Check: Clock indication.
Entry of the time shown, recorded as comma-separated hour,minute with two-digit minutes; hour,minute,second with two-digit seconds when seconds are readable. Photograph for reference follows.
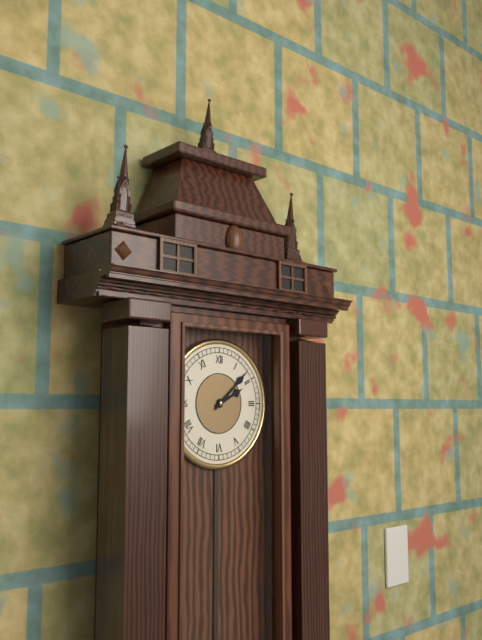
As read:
2,08
